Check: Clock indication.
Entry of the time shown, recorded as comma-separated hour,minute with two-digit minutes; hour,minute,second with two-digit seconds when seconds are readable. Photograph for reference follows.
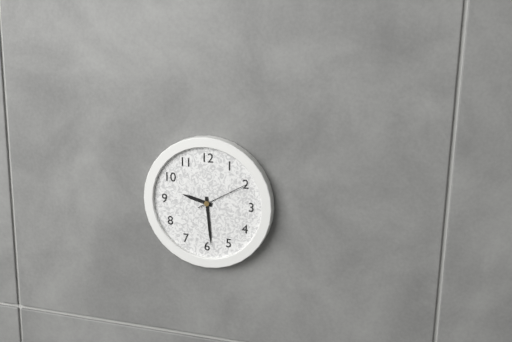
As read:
9,29,10
